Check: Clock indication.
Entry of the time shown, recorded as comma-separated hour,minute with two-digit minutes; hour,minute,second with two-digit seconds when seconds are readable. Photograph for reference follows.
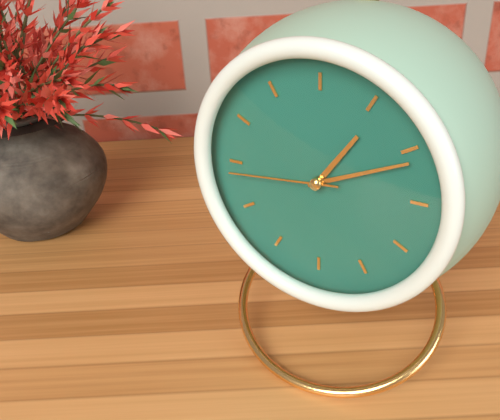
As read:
1,11,44
